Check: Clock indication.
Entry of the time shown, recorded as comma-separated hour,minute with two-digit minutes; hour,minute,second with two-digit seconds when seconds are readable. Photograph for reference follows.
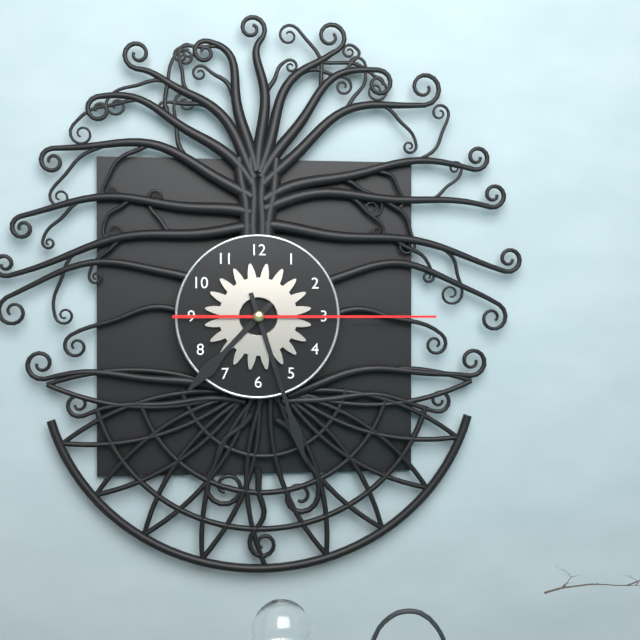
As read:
7,27,15
